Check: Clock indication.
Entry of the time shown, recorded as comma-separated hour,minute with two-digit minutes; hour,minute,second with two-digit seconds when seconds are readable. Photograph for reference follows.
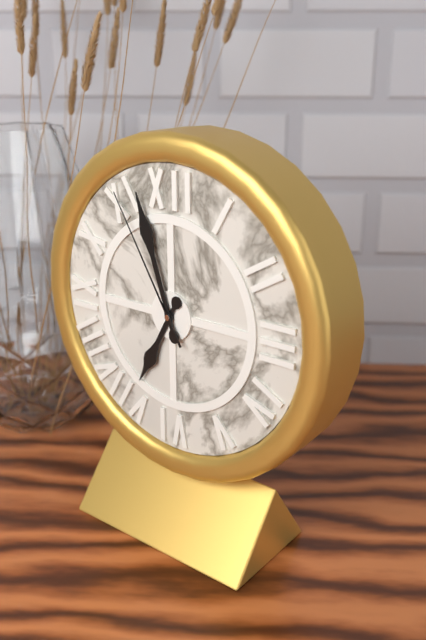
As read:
6,57,55
